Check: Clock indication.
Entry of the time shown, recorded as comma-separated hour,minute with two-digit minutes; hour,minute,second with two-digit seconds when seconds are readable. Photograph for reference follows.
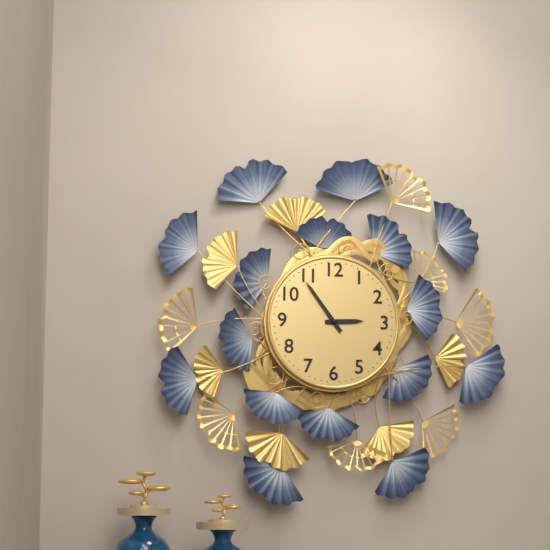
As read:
2,54
